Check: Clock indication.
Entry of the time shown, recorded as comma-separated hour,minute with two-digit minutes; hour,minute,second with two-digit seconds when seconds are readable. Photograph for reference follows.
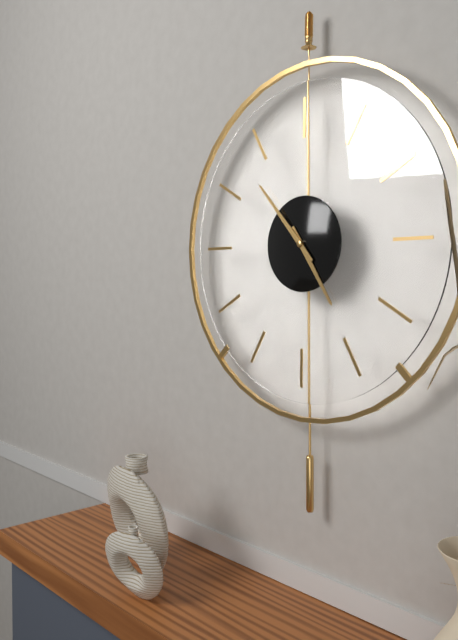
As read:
4,53
